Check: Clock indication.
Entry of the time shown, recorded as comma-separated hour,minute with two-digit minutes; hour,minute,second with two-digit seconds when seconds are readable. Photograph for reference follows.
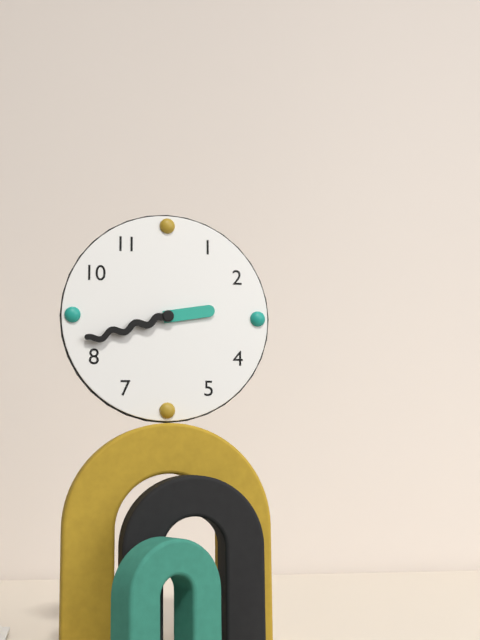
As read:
2,42
